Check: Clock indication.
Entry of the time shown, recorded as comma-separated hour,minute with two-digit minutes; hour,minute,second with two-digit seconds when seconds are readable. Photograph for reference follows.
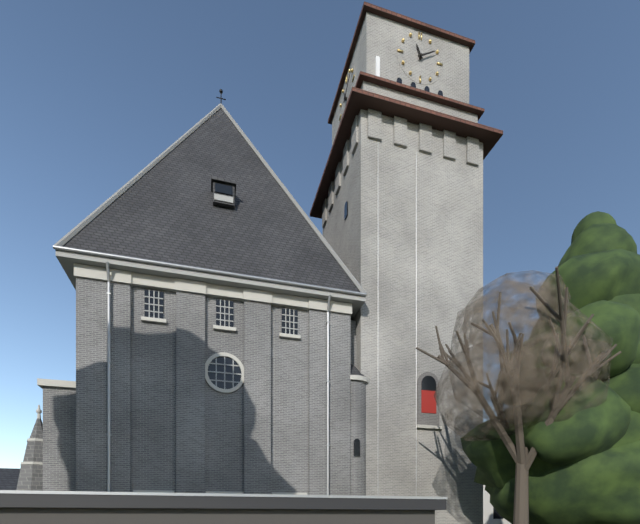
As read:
11,10
